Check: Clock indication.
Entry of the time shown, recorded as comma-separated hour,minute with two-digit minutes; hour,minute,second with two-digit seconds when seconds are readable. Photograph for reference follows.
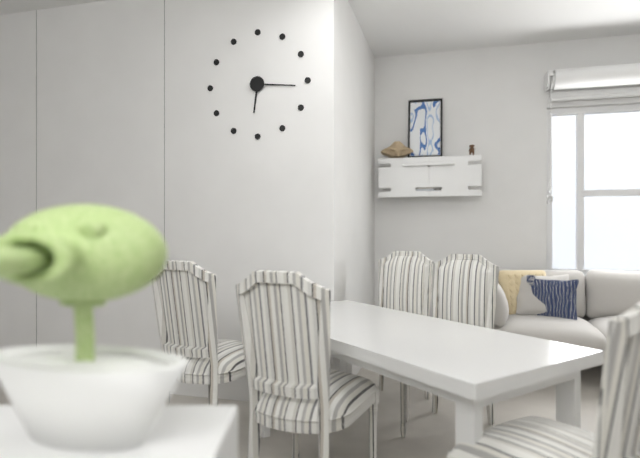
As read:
6,16
